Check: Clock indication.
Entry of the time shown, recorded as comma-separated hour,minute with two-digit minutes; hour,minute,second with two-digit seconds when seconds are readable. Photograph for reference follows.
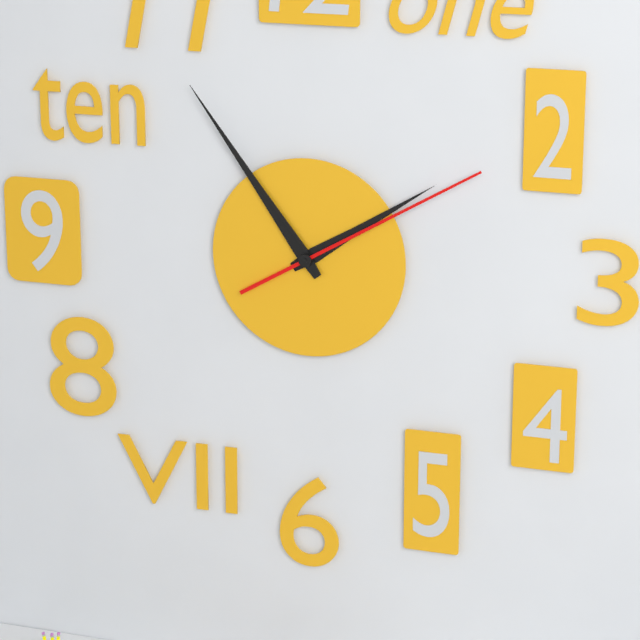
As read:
1,54,10
